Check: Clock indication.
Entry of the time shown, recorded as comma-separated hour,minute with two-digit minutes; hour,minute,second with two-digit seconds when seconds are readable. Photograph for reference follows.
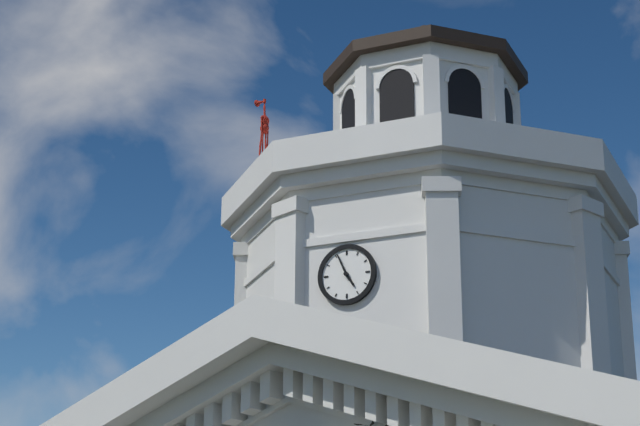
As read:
4,56
